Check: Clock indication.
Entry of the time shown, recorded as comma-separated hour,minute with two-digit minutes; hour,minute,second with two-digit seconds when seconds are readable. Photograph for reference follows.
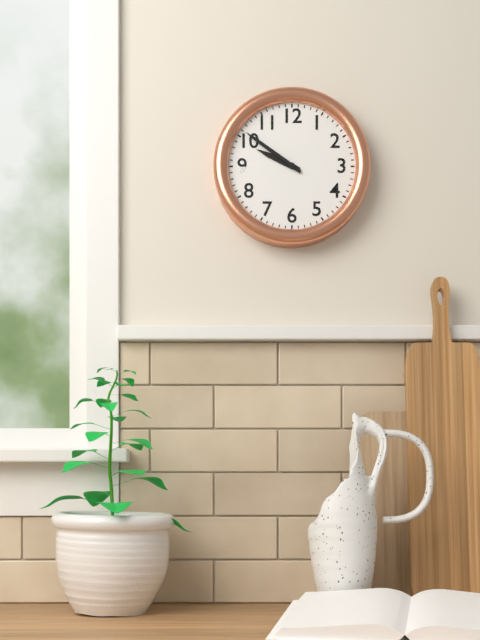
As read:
9,51
